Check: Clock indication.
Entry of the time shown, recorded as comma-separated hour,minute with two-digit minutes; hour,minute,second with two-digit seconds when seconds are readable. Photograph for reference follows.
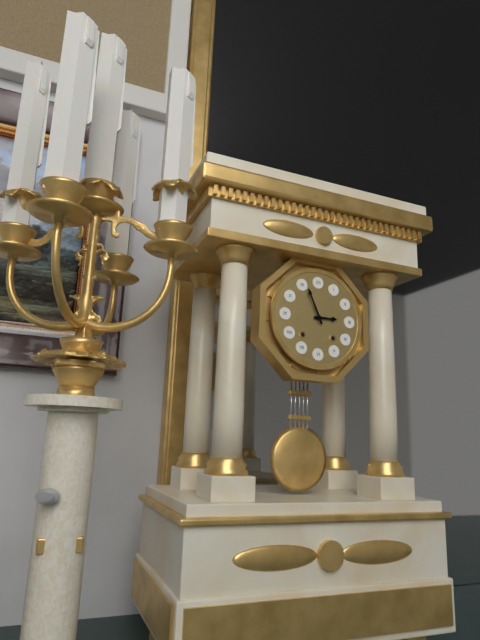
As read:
2,56
